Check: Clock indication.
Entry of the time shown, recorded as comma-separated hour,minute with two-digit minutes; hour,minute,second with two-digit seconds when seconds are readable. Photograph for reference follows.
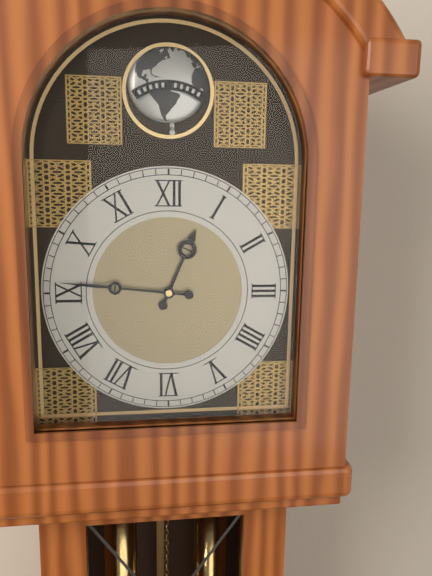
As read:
12,46
